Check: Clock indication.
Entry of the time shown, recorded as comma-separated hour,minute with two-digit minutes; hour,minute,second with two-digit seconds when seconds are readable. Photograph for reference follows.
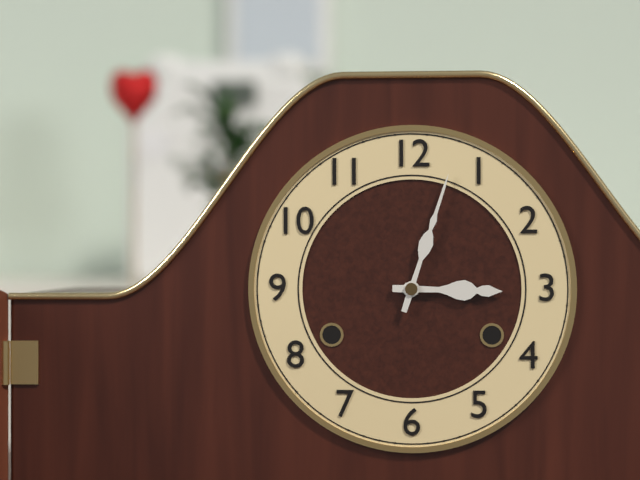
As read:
3,03
